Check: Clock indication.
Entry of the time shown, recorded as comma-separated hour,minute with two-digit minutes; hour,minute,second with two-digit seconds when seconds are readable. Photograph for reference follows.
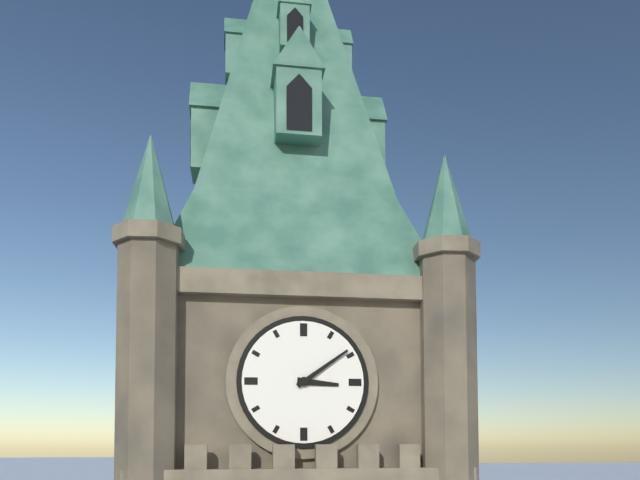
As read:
3,09
